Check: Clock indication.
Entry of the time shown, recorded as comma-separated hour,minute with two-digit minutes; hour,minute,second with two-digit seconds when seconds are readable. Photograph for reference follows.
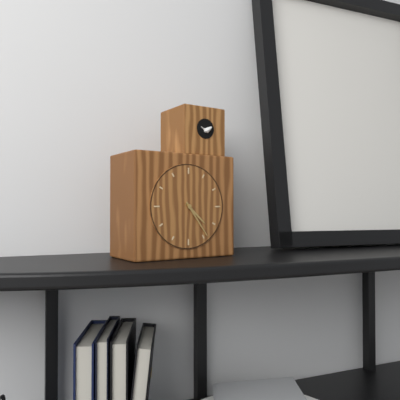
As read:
4,24
